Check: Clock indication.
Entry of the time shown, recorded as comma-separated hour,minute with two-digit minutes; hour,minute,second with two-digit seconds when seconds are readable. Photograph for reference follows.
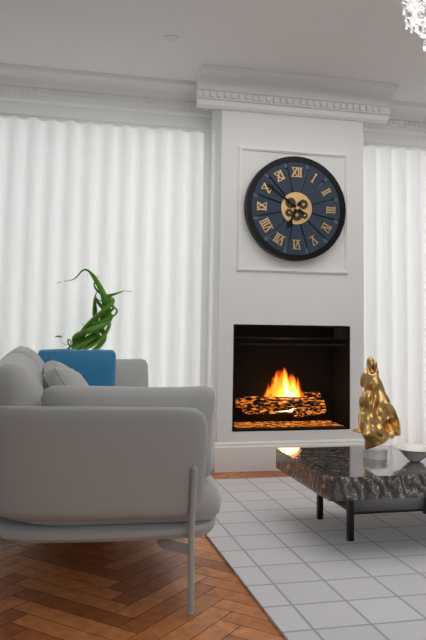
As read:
6,51
